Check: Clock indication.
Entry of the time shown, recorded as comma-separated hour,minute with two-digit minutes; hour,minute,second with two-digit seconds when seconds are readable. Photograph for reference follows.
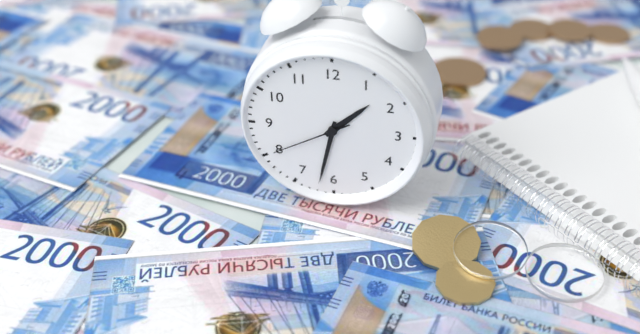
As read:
1,32,40
